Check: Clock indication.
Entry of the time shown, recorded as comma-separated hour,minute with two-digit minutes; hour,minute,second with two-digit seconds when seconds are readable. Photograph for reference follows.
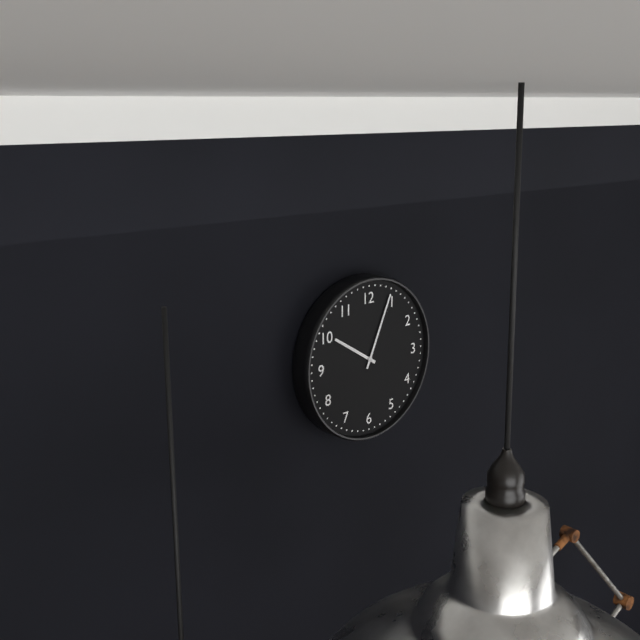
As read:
10,04
